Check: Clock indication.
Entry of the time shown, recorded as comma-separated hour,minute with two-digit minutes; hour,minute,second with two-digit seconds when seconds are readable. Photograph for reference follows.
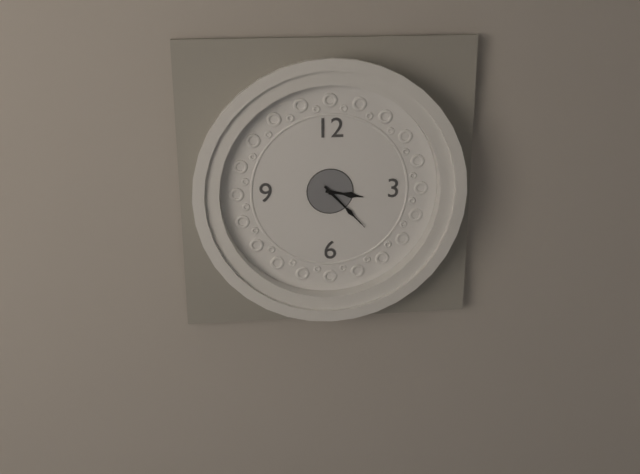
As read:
3,23
